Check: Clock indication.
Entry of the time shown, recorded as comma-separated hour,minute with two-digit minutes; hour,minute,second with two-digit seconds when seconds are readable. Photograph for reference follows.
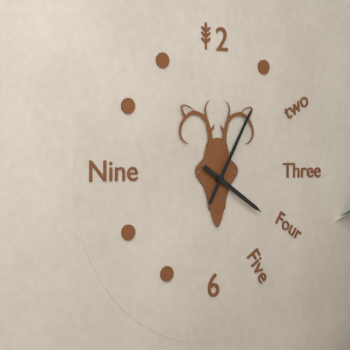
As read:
4,05
